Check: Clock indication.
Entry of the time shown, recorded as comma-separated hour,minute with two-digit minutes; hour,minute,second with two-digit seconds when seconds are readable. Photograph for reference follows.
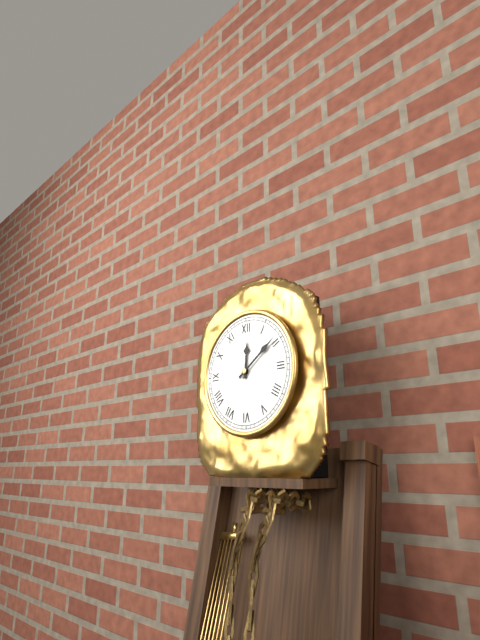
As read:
12,09
